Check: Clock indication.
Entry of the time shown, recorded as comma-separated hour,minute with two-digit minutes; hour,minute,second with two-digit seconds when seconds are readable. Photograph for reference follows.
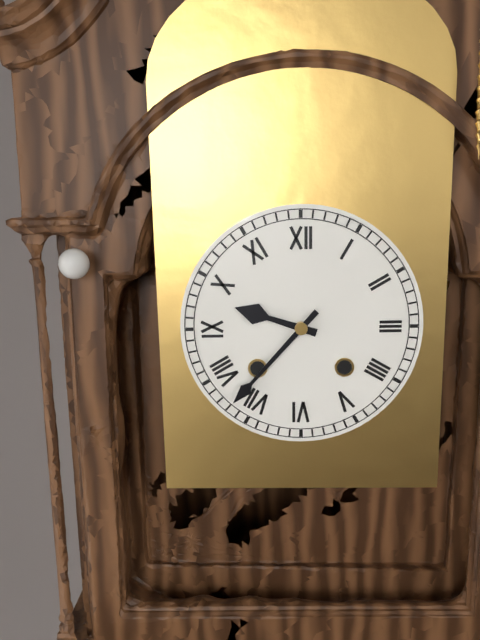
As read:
9,37
